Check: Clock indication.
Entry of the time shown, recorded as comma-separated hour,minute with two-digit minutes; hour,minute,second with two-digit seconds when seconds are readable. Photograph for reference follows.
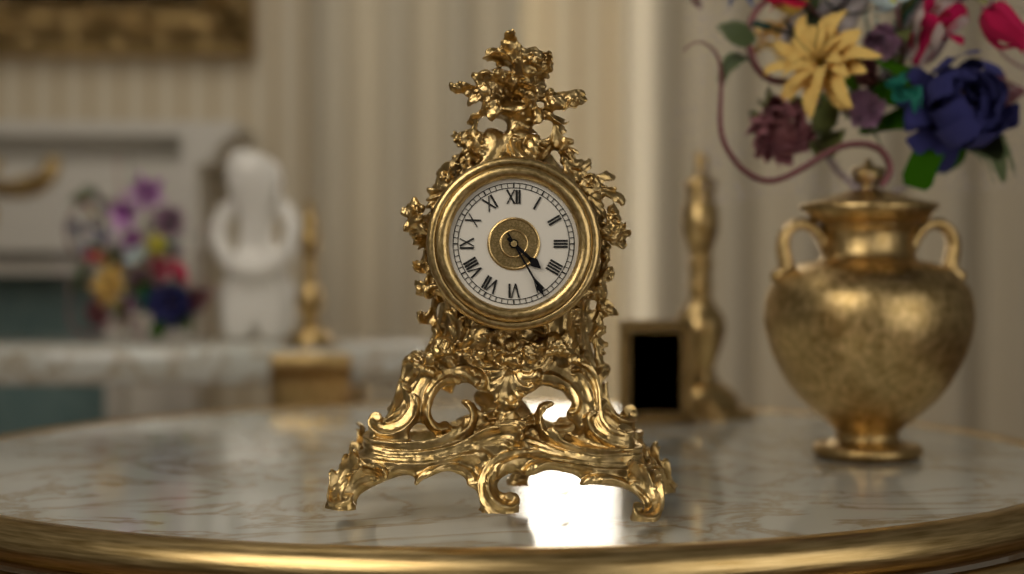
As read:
4,25
